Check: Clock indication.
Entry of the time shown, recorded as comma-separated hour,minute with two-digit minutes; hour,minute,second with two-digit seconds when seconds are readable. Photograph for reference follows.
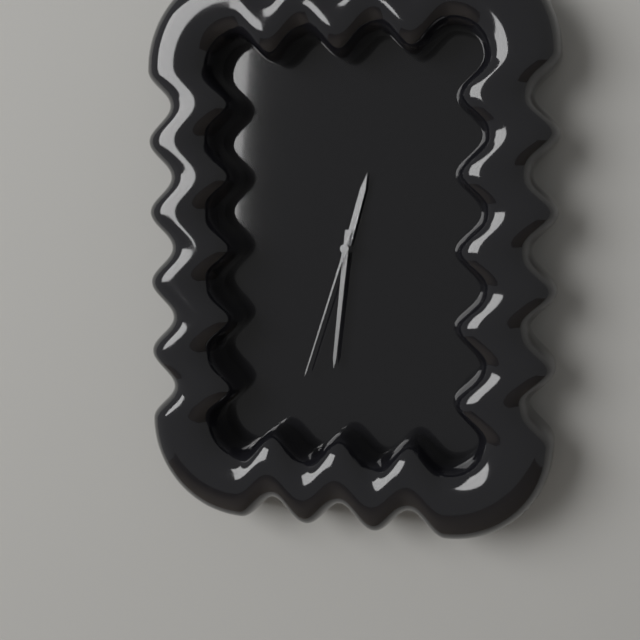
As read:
12,31,33
